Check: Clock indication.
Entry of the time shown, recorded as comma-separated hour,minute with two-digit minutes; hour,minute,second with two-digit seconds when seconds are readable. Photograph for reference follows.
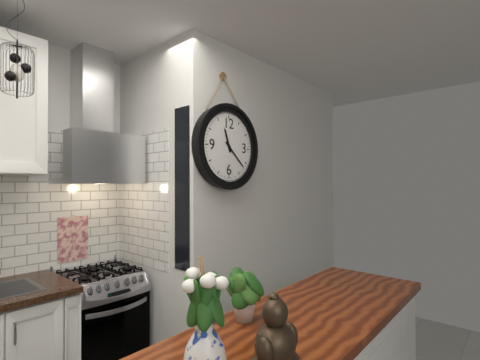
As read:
11,22
